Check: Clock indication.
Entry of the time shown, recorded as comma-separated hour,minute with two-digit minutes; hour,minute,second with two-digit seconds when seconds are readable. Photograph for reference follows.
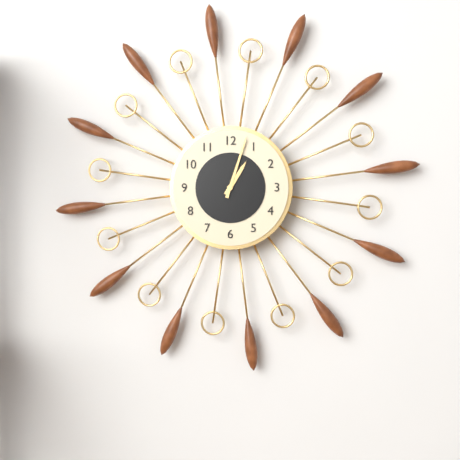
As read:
1,03
